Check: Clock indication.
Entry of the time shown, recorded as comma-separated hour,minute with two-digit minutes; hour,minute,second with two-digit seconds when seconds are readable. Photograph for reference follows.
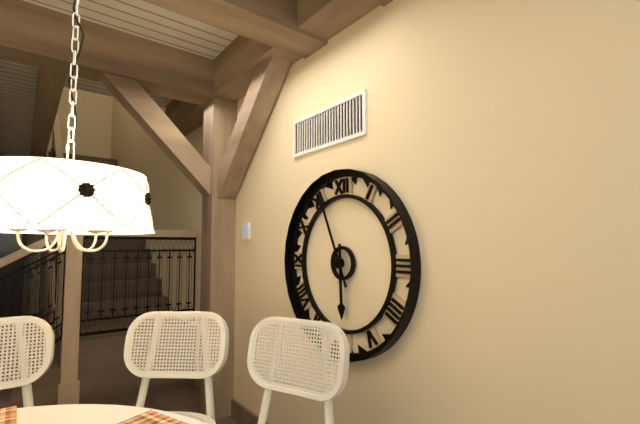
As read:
5,56
